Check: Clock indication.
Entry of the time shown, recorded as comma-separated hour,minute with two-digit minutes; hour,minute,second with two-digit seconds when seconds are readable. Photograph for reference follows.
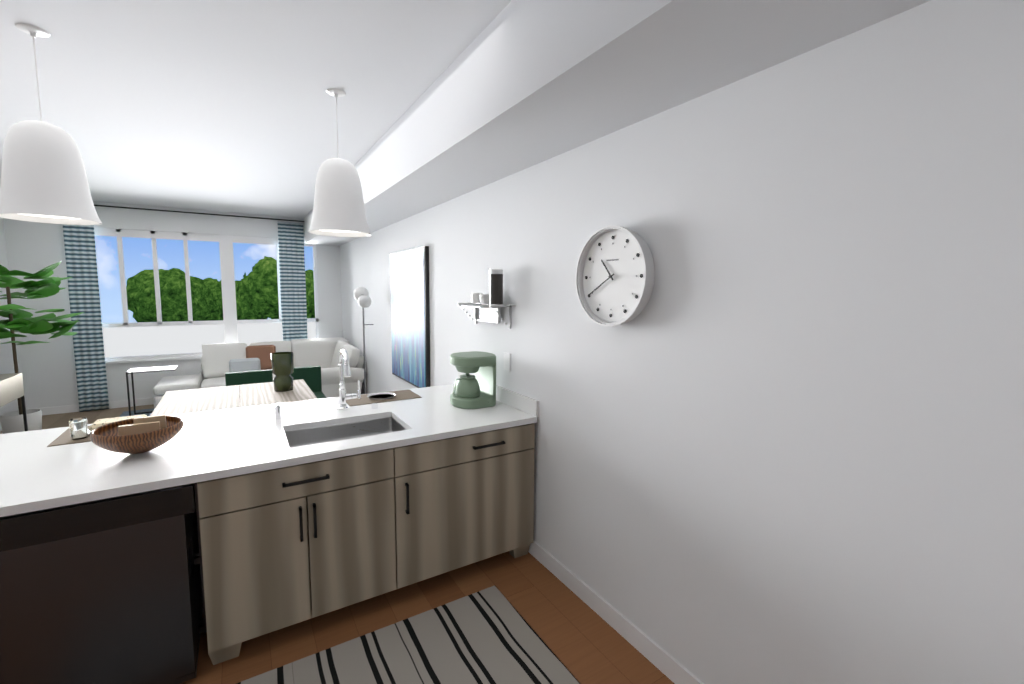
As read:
10,40
